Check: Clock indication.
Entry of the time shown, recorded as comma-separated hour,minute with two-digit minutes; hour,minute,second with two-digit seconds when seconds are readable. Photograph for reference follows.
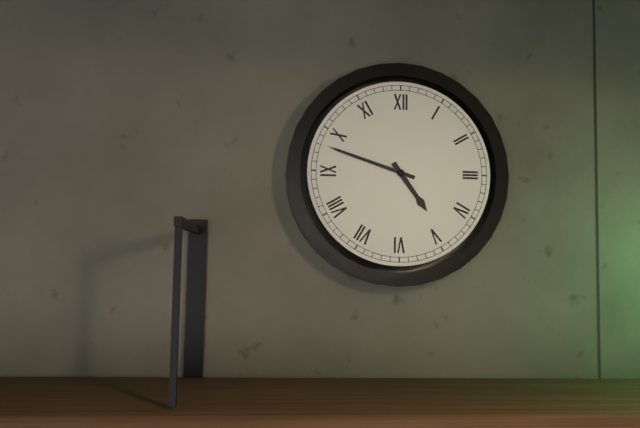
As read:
4,48
